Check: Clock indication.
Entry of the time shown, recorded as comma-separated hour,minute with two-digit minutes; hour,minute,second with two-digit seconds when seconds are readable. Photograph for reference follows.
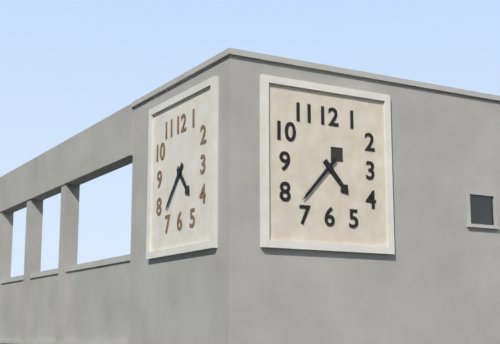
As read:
4,37
